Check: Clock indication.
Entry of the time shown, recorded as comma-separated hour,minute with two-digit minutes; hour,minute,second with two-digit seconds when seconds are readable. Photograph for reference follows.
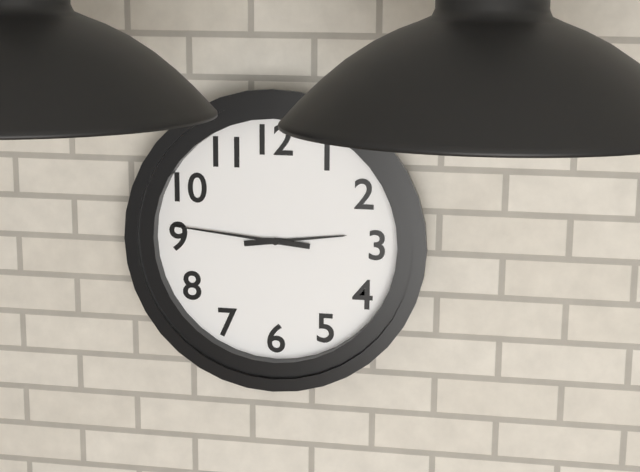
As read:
2,46
